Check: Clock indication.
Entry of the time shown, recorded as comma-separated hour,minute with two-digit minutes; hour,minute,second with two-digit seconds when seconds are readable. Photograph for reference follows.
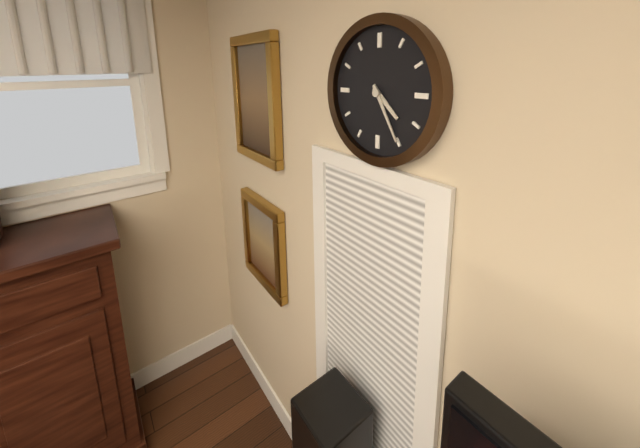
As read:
4,25
